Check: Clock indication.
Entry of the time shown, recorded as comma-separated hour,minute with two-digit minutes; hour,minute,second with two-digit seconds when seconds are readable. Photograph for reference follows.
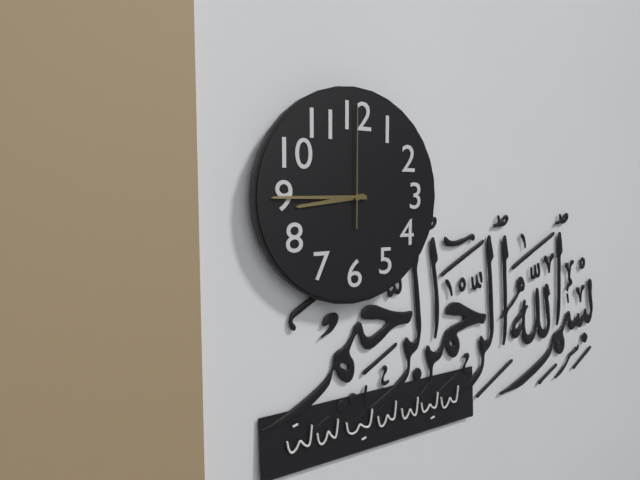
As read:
8,45,00
